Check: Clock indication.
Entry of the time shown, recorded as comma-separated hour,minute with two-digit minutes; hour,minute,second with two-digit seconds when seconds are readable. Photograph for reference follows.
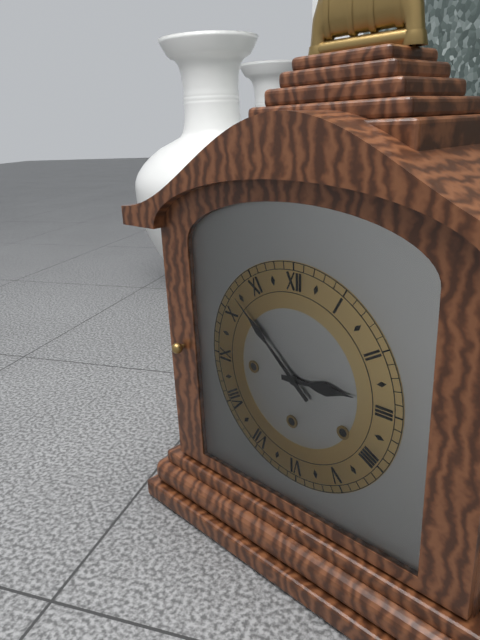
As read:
2,52
